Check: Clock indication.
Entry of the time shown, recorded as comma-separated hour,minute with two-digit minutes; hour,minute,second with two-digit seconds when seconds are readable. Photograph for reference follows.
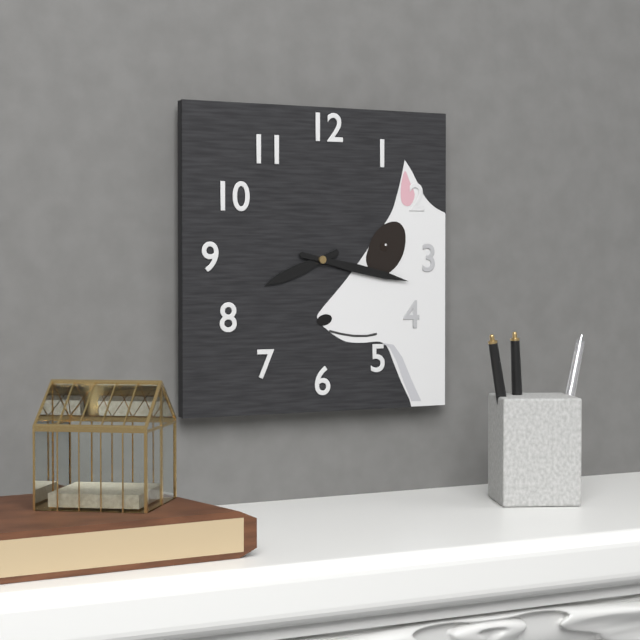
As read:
8,17
